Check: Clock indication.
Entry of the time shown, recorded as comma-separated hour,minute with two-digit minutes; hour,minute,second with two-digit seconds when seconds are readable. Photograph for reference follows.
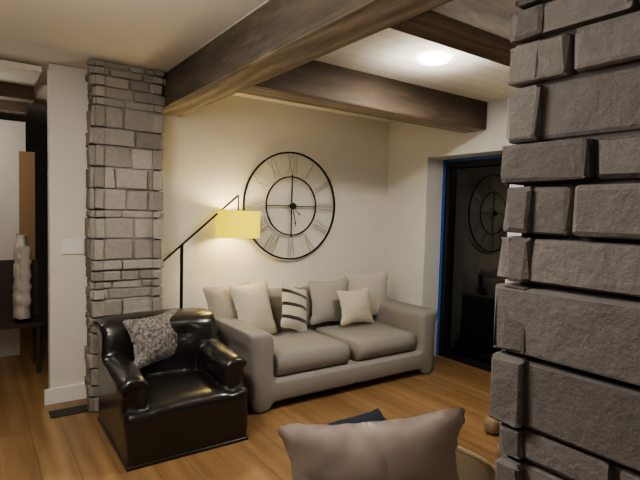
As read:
4,28
